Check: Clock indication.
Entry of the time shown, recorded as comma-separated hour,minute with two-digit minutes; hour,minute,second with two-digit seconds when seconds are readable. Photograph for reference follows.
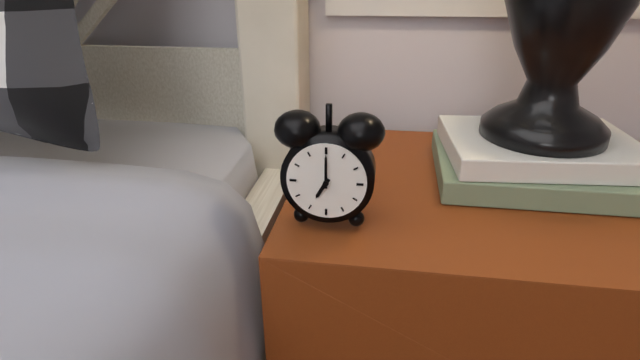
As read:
7,00
